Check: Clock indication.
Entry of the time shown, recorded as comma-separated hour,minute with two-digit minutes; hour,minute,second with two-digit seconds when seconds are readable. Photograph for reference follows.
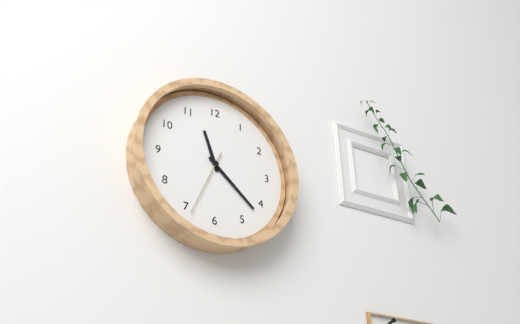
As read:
11,22,34
